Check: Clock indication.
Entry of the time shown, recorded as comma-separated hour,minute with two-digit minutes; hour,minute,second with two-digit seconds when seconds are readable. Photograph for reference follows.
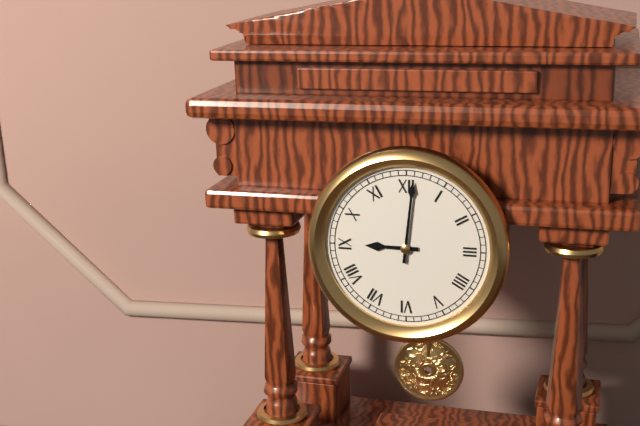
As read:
9,01
